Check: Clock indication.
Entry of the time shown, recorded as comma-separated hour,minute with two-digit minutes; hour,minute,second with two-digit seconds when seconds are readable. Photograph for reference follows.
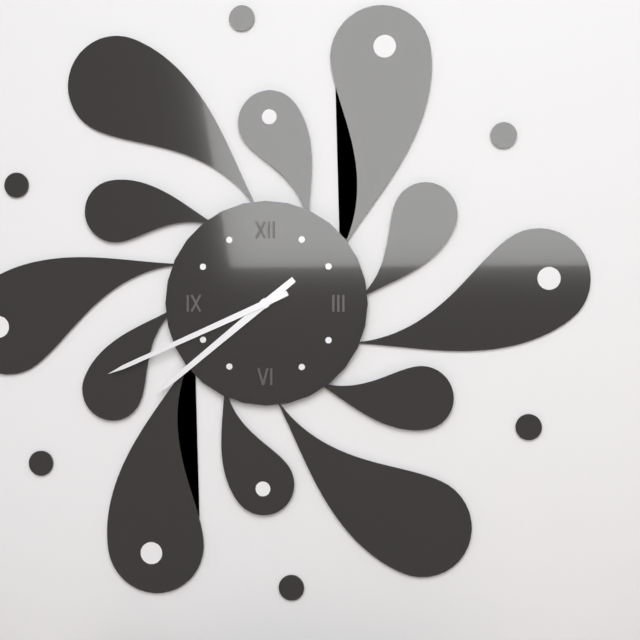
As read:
7,41
